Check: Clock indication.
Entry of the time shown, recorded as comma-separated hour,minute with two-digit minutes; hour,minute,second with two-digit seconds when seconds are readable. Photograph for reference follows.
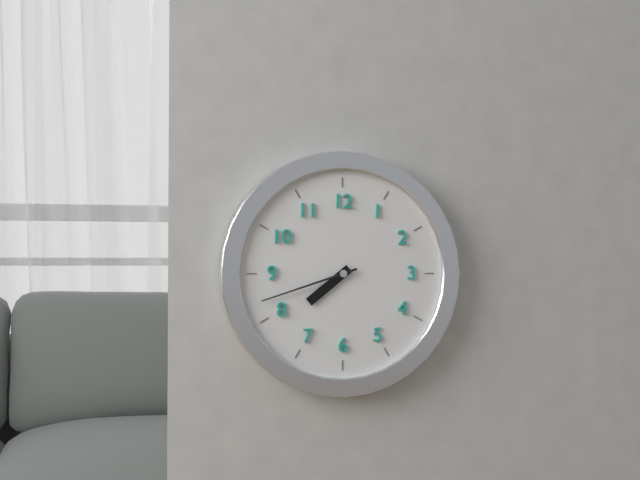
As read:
7,42
